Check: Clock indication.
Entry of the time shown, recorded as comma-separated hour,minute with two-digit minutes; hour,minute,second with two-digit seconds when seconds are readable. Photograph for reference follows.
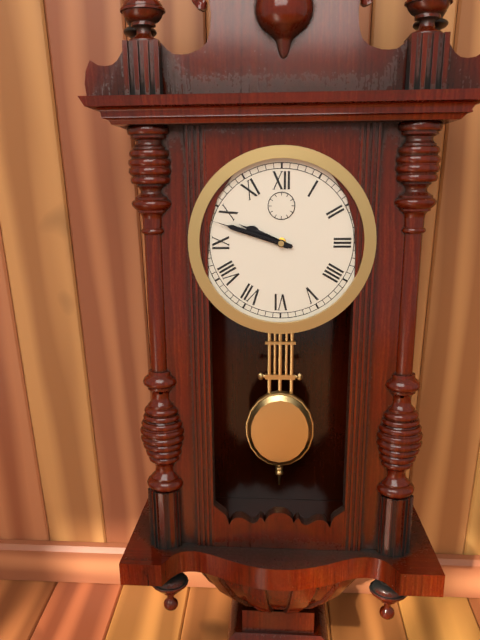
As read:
9,48
